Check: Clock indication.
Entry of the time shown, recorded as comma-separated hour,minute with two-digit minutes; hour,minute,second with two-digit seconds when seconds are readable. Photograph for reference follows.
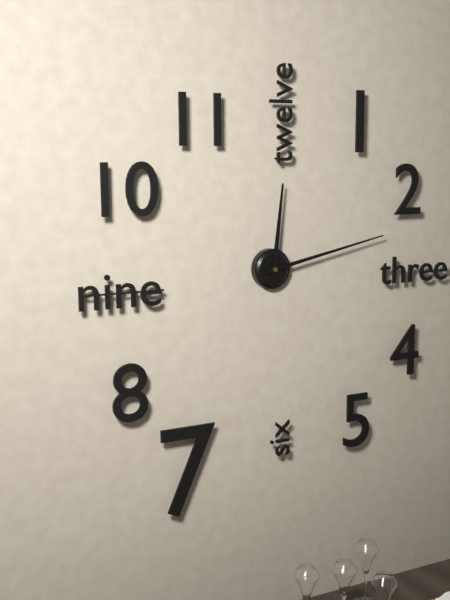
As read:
12,13
